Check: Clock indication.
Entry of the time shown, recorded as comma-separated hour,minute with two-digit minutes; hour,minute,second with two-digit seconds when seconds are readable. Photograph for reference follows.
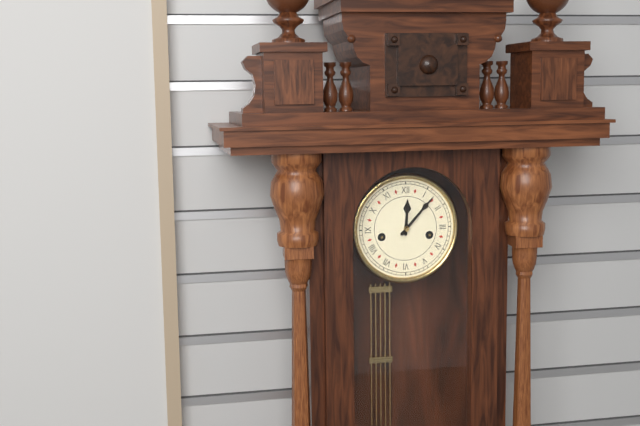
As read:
12,07
